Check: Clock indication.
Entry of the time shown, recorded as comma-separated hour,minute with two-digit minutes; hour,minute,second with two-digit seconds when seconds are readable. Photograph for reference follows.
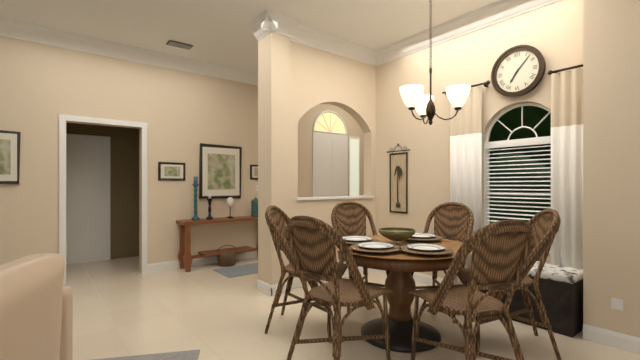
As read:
7,07
